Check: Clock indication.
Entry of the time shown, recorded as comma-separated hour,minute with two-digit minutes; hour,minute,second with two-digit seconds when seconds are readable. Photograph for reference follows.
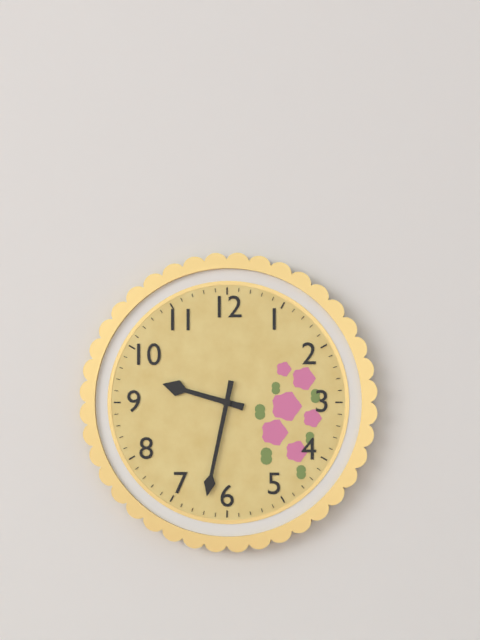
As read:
9,32
